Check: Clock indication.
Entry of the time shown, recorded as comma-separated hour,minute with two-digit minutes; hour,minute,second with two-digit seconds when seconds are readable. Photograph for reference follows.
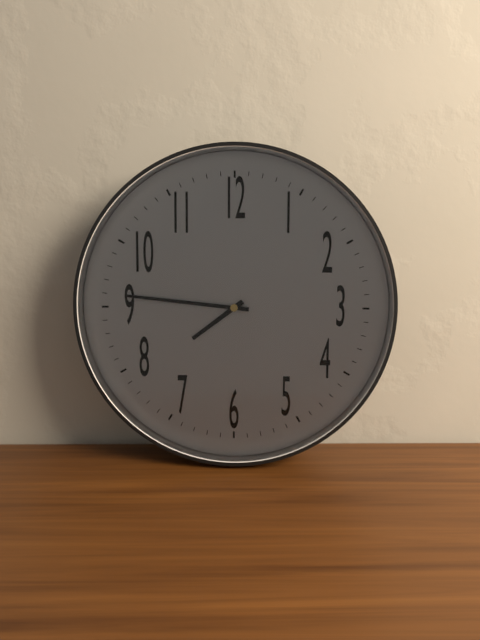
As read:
7,46
